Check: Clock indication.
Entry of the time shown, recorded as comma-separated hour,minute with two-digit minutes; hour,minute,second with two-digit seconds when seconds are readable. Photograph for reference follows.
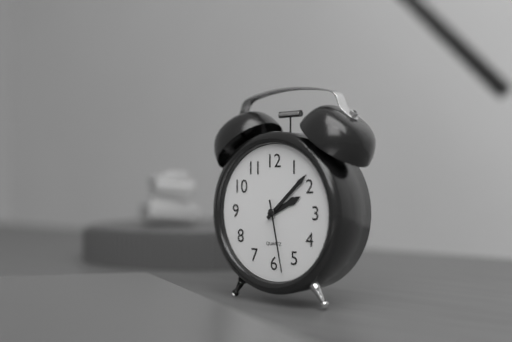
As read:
2,08,28
